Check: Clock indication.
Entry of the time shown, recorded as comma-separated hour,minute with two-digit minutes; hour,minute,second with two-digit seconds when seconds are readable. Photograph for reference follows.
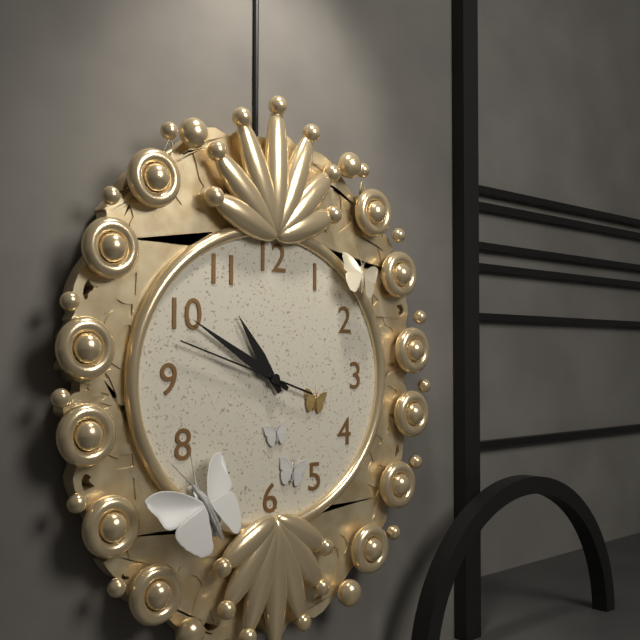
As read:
10,50,48
